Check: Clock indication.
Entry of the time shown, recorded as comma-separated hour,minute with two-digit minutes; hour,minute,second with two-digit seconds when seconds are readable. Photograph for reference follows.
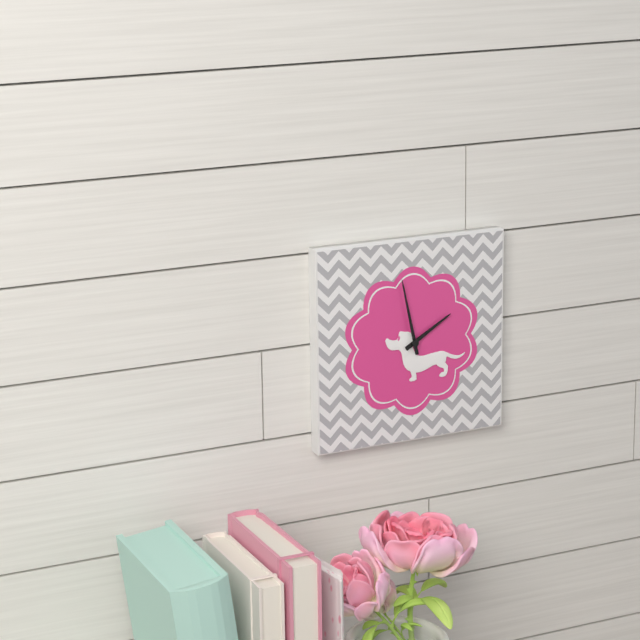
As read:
1,58
